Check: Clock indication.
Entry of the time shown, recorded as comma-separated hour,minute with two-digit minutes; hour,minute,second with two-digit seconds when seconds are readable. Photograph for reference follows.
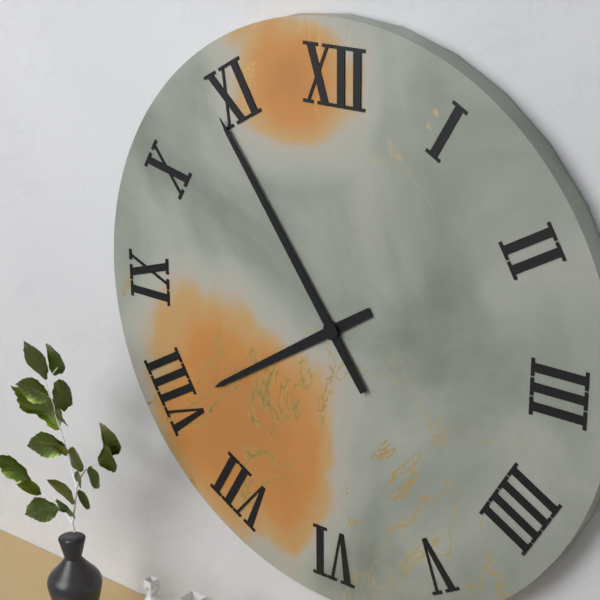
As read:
7,54
